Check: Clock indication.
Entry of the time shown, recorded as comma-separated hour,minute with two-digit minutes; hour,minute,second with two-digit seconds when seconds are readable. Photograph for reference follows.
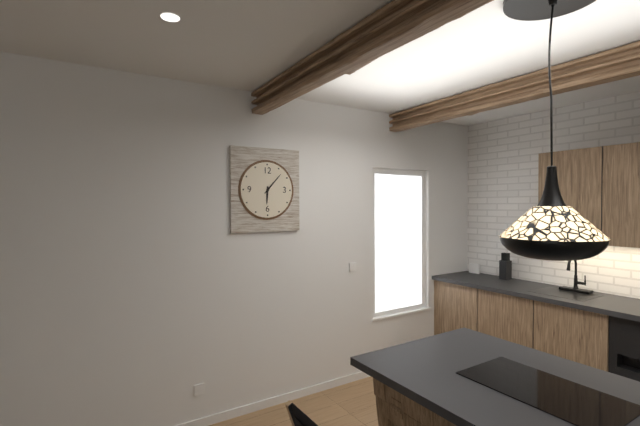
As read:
6,07
